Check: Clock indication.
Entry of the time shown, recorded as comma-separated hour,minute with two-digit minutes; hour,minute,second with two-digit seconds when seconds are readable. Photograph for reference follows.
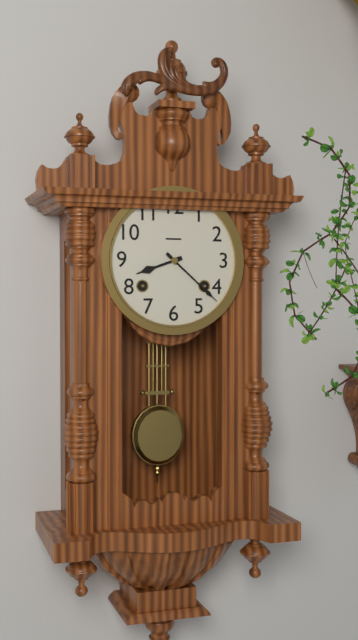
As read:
8,22
